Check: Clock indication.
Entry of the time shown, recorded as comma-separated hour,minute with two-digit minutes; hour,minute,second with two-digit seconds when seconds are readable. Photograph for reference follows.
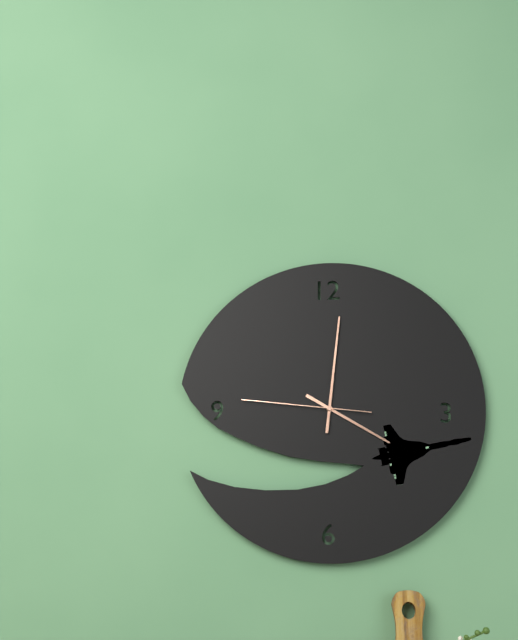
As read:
4,01,46
